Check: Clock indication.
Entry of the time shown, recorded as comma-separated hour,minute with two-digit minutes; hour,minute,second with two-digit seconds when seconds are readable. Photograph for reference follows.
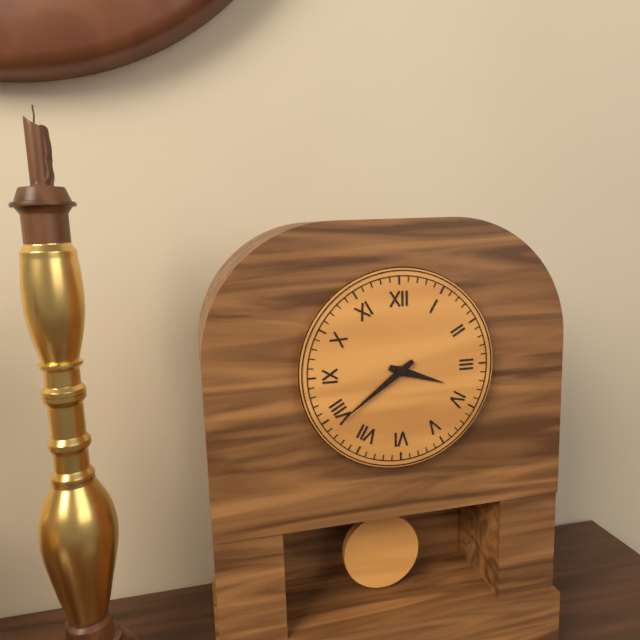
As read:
3,39
